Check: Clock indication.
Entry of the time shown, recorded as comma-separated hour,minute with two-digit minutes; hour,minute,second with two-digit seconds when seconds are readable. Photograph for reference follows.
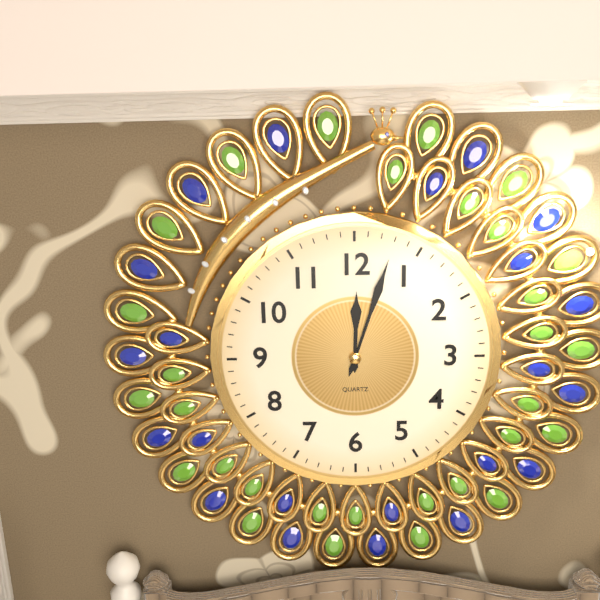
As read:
12,03
